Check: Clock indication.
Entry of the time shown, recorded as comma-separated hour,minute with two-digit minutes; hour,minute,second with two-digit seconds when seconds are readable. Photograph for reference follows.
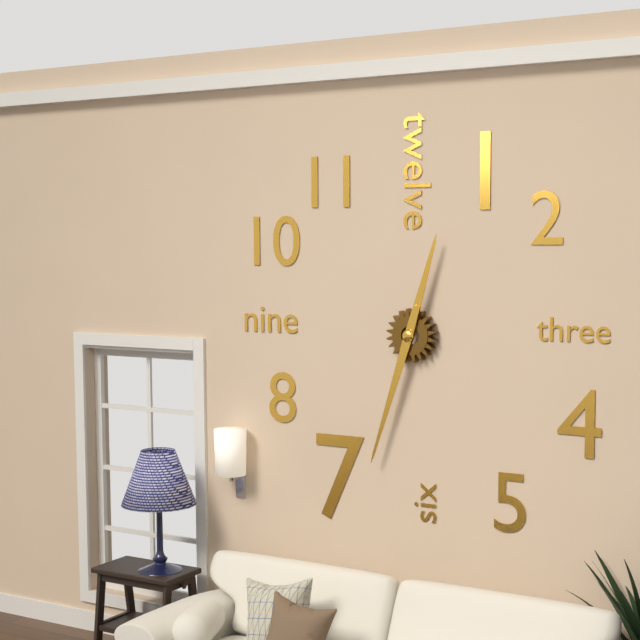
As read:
12,33
